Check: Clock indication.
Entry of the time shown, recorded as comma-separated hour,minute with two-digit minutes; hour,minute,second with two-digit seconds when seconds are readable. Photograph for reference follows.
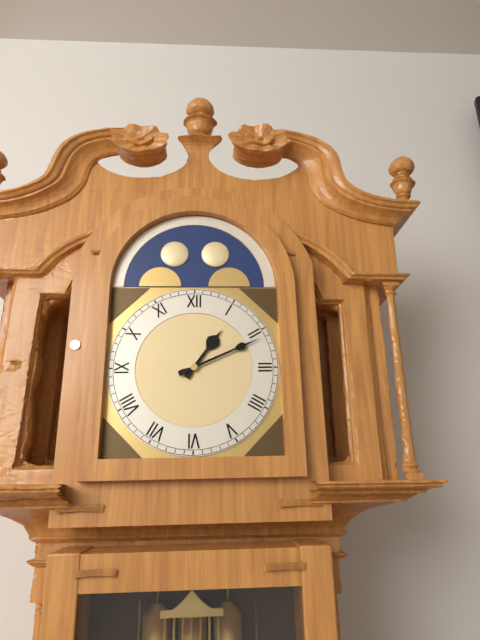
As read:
1,11
